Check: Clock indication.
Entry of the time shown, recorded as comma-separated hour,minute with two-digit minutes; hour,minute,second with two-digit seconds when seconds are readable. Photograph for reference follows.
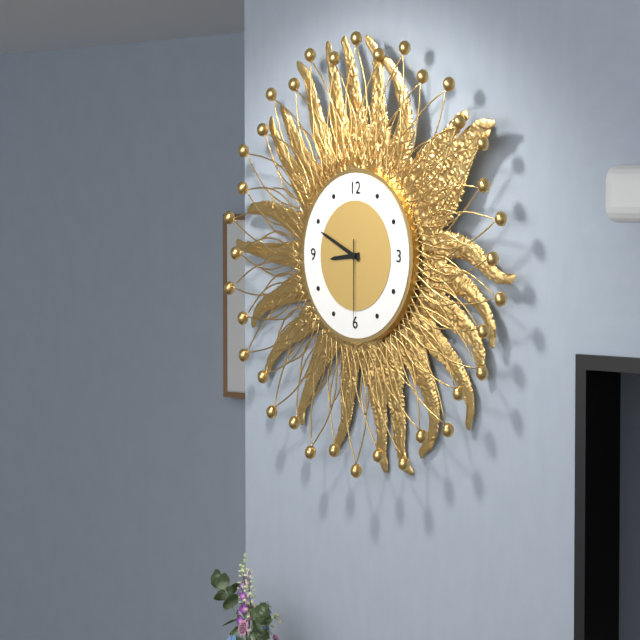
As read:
8,49,30
